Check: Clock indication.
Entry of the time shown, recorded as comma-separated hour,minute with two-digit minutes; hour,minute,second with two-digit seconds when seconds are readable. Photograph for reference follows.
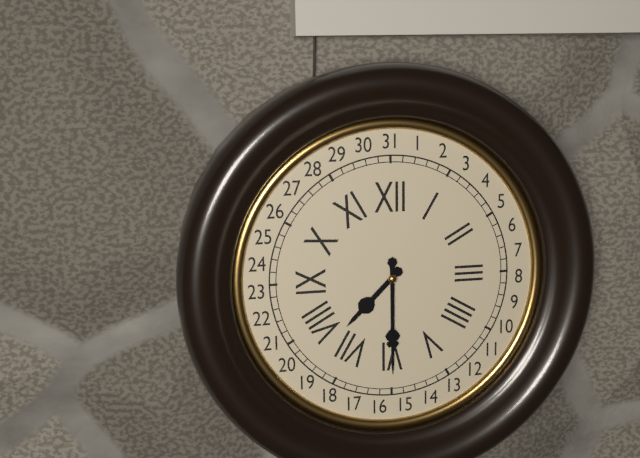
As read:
7,30
